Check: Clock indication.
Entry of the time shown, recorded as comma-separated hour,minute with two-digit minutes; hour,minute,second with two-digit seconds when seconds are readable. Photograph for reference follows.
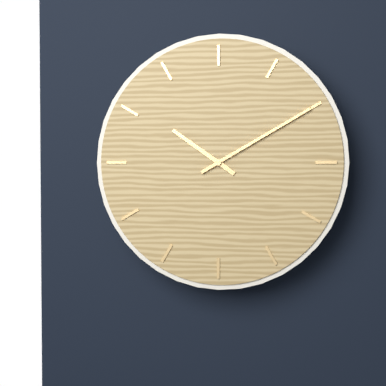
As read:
10,10
